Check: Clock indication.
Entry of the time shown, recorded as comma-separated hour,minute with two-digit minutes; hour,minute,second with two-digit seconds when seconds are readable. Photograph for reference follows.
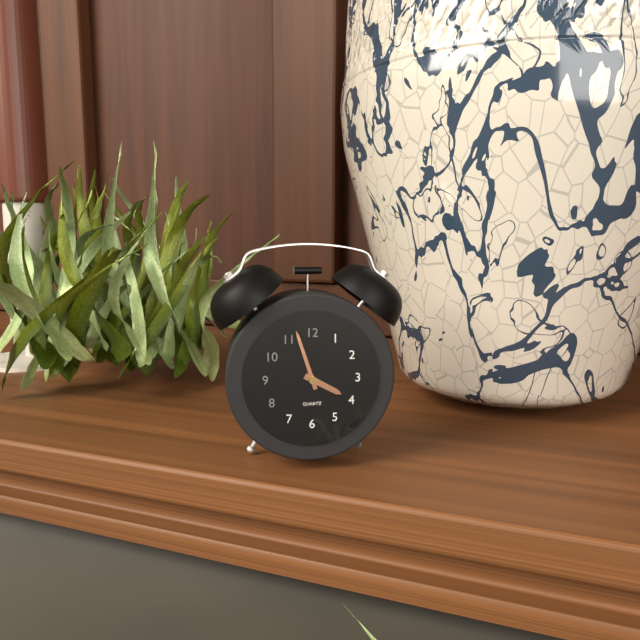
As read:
3,57
